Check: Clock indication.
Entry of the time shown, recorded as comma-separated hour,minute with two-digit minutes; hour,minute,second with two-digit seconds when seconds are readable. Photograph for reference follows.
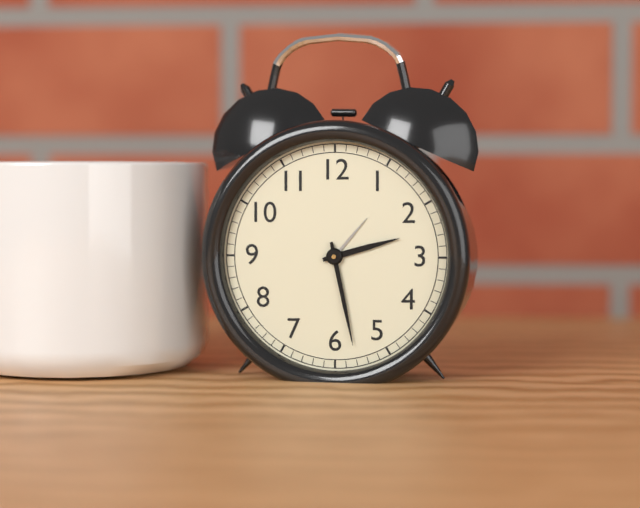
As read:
2,28
